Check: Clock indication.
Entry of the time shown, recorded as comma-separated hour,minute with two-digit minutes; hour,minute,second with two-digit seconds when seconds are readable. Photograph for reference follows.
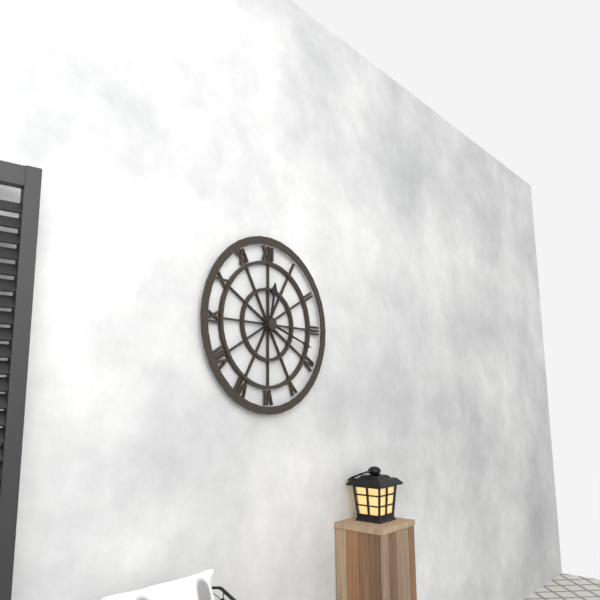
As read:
12,18
